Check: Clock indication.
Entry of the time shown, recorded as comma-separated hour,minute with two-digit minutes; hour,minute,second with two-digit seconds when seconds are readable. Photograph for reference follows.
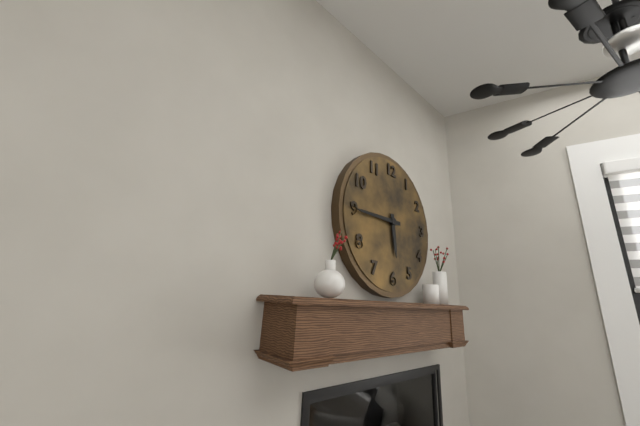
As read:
5,45
